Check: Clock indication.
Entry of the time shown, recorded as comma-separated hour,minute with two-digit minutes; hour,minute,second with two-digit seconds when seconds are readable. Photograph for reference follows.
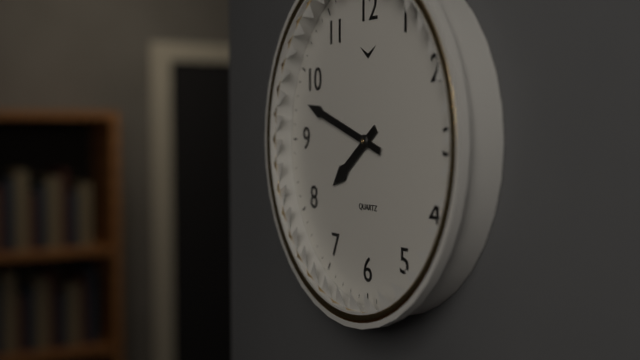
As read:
7,48
